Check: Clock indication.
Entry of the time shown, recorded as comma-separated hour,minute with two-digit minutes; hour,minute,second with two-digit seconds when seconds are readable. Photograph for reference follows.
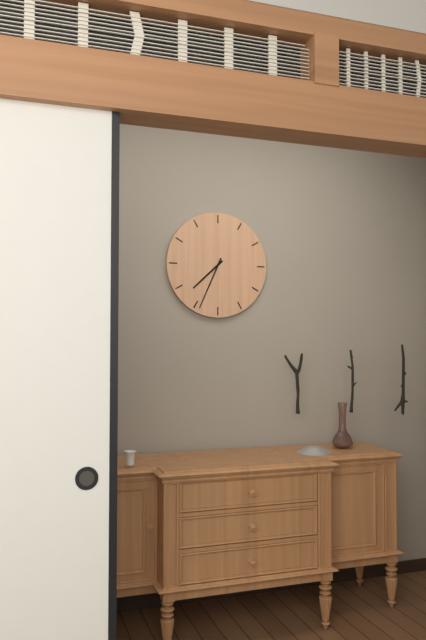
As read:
7,34
